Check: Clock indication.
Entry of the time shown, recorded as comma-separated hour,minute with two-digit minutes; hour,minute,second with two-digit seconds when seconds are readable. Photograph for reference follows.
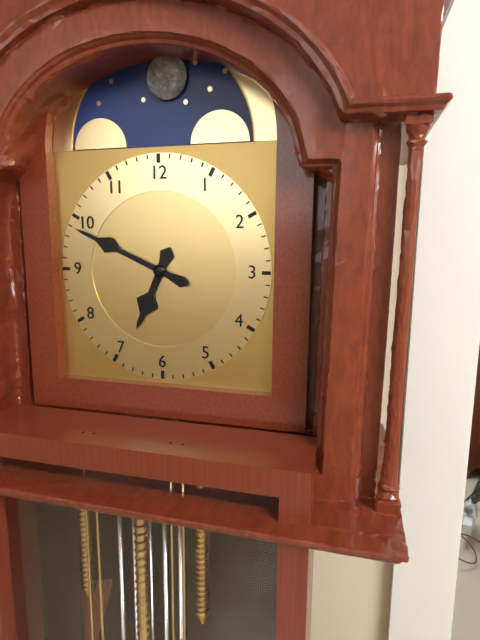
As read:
6,49
